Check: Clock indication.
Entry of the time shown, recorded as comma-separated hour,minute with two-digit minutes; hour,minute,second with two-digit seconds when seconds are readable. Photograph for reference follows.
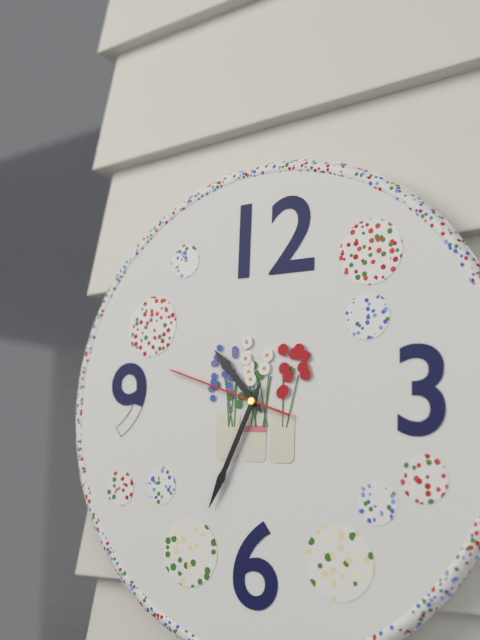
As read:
10,34,48
